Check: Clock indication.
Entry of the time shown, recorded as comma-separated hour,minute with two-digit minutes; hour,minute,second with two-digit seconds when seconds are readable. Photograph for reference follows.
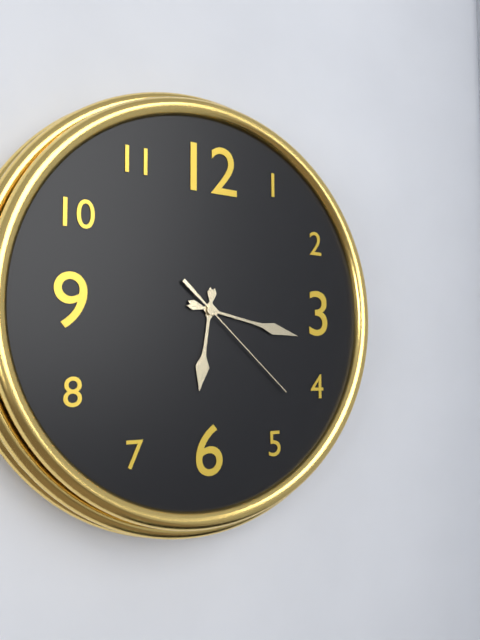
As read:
6,17,22
